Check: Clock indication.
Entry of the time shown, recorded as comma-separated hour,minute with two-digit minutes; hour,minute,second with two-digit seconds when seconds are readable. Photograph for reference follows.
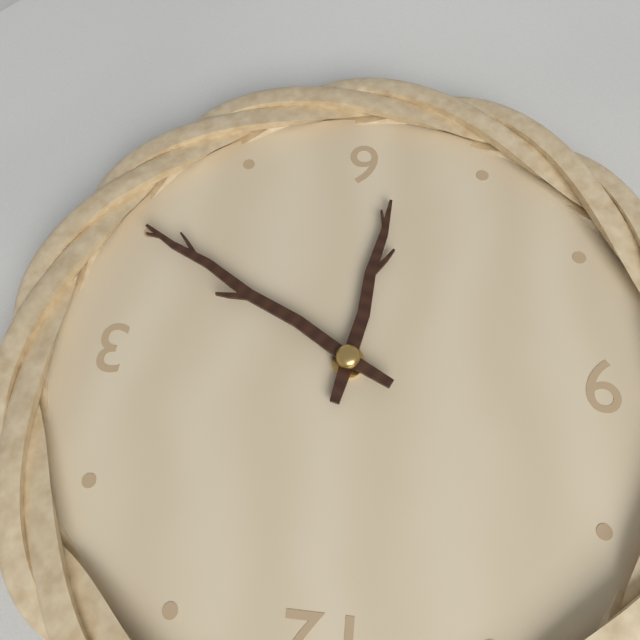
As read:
6,20
